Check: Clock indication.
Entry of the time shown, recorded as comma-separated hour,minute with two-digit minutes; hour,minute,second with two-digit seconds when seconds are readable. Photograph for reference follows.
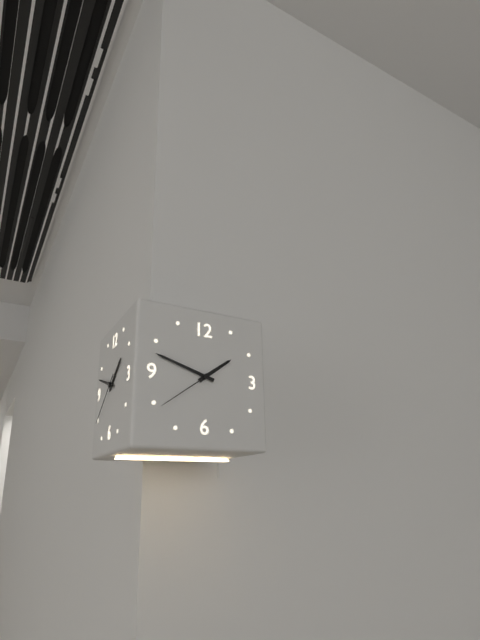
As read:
1,48,39
